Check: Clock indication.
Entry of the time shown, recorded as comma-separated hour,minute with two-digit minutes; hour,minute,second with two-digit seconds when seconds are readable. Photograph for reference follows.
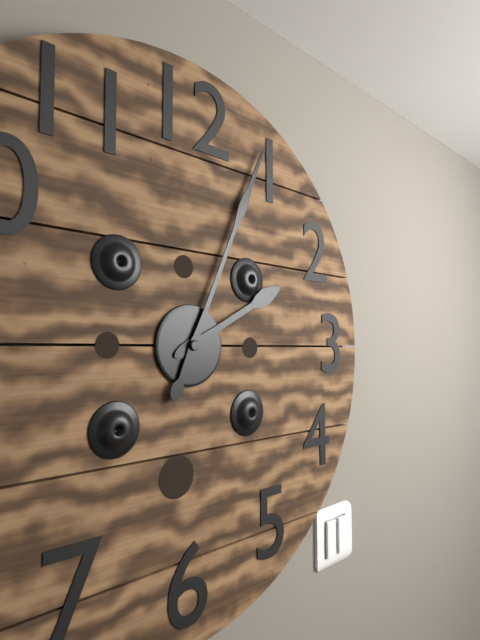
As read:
2,04
